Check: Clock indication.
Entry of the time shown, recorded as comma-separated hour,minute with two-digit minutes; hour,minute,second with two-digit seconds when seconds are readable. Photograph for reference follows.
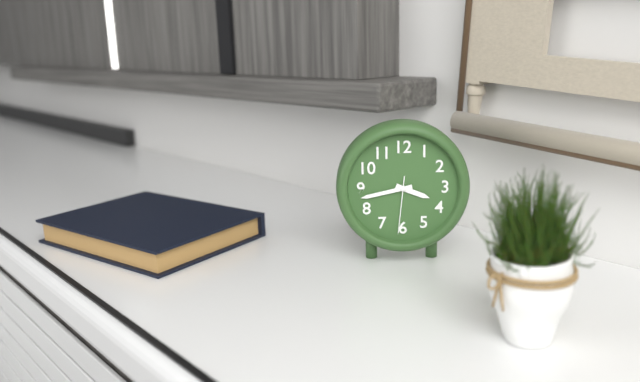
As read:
3,43,31
